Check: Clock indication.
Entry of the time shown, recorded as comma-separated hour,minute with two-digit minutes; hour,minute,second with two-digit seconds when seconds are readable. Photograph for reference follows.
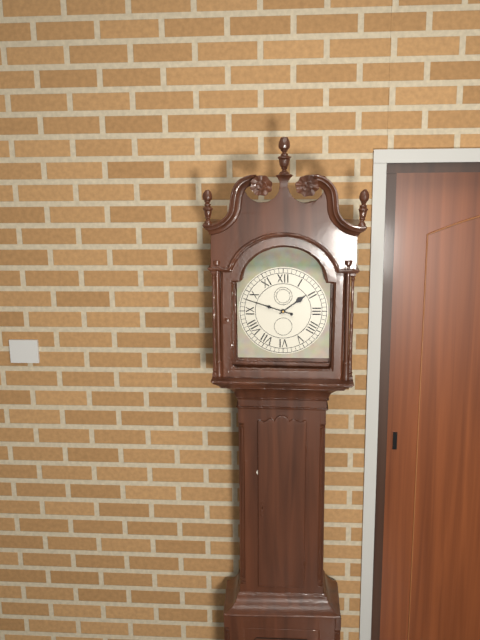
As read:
1,48
